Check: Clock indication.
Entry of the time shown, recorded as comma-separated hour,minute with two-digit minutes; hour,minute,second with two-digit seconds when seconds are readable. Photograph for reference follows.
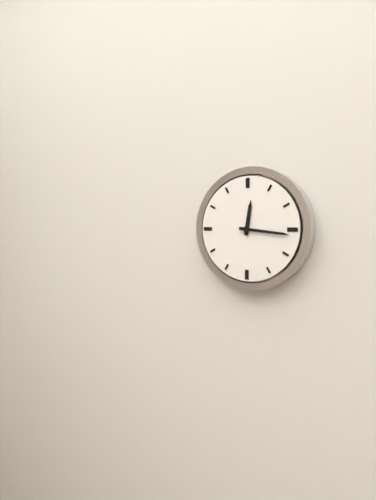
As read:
12,16
